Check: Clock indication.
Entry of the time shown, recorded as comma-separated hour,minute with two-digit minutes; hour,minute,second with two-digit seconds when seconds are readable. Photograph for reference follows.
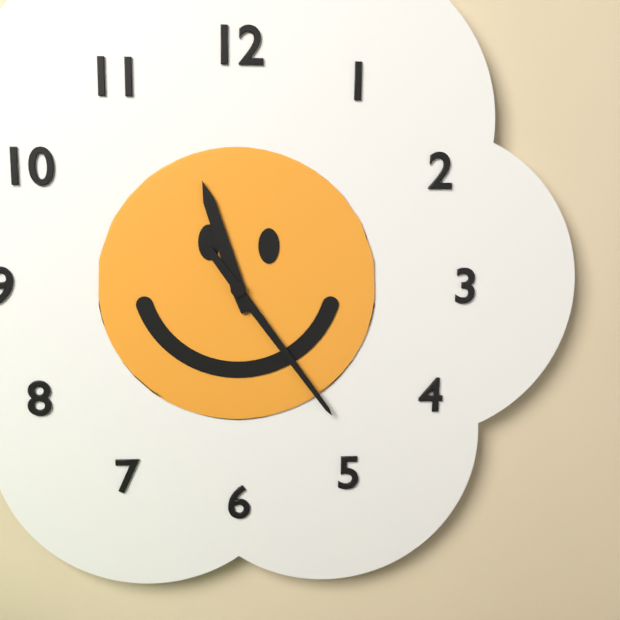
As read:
11,24
